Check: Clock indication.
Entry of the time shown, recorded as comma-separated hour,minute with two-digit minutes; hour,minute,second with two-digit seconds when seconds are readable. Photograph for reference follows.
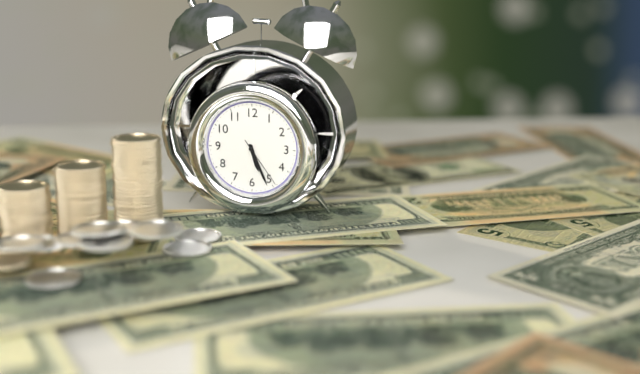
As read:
5,26,24
